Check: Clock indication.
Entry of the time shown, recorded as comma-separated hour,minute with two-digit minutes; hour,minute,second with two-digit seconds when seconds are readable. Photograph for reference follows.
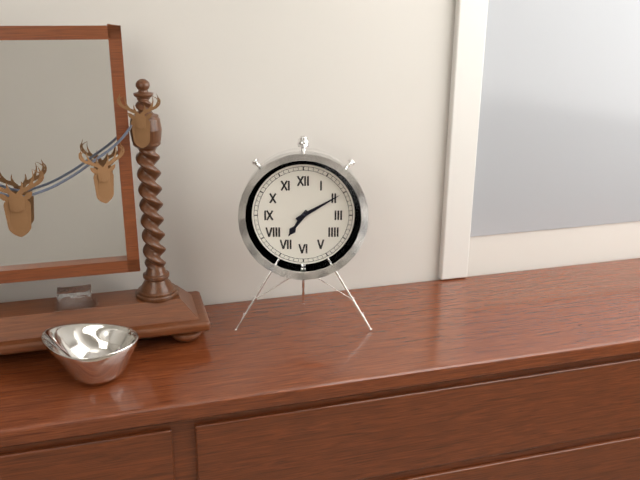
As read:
7,10
